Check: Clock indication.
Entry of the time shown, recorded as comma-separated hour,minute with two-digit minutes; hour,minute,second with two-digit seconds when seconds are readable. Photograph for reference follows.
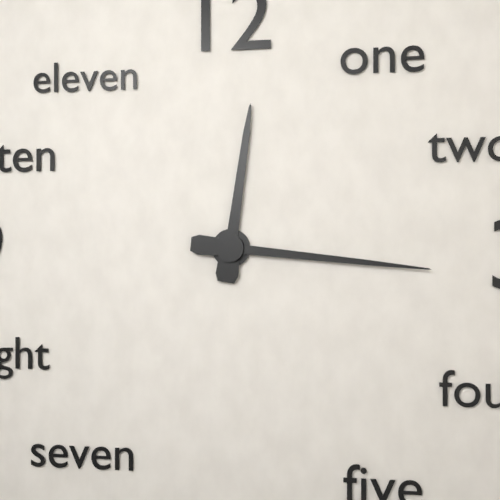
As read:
12,16
